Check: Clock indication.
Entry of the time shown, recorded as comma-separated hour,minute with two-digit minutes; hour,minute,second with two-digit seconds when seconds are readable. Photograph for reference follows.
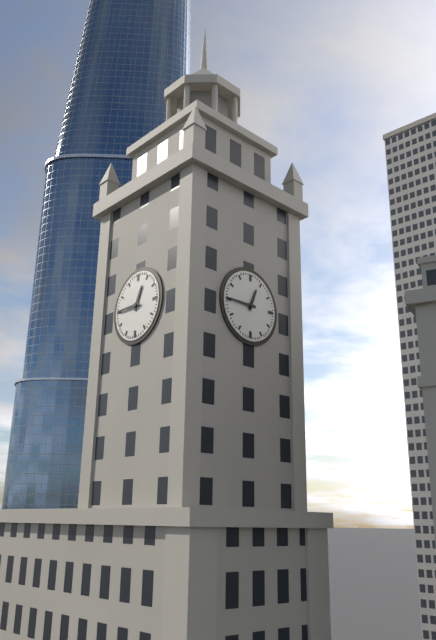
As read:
12,45
